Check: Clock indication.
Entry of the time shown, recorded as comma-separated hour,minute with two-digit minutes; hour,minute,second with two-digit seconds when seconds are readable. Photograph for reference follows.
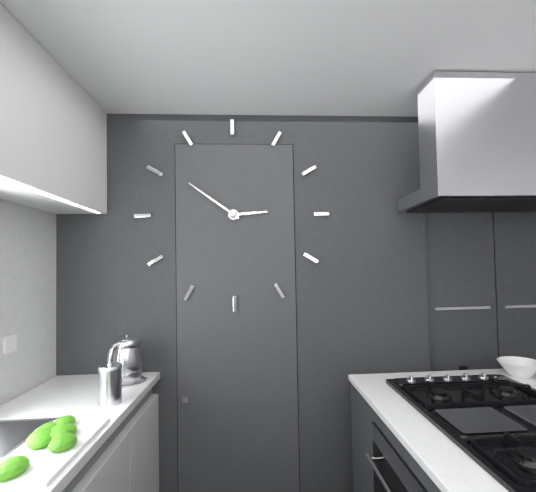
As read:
2,51
